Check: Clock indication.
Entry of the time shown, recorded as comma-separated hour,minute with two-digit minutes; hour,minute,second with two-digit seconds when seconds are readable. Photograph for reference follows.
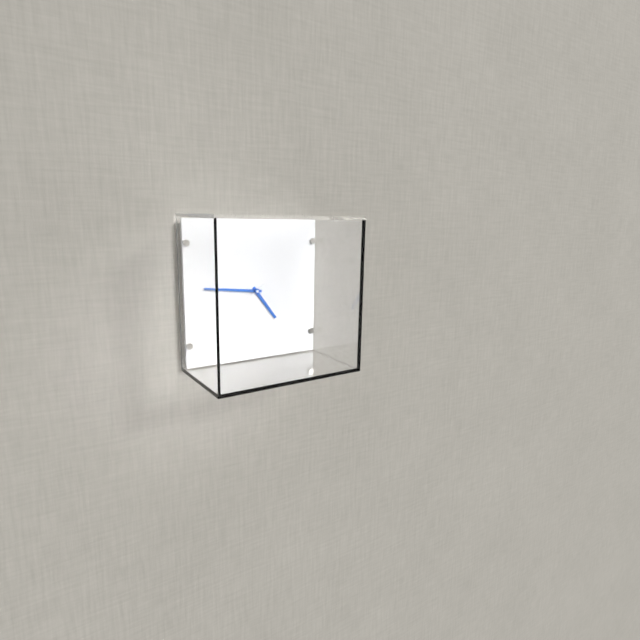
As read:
4,46,39
